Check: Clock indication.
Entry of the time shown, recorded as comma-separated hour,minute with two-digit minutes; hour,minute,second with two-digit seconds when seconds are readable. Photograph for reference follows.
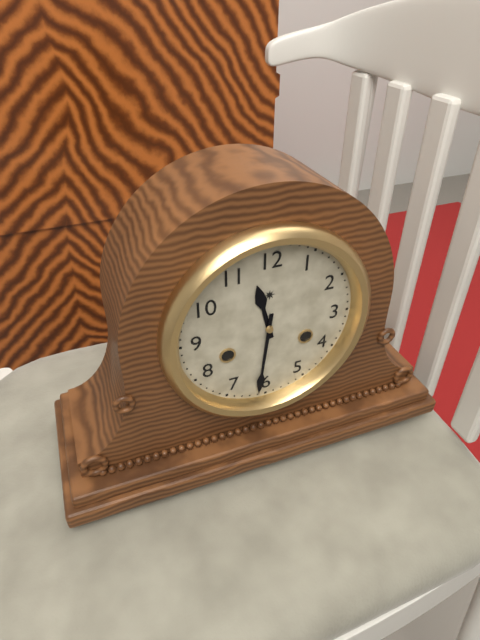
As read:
11,31
